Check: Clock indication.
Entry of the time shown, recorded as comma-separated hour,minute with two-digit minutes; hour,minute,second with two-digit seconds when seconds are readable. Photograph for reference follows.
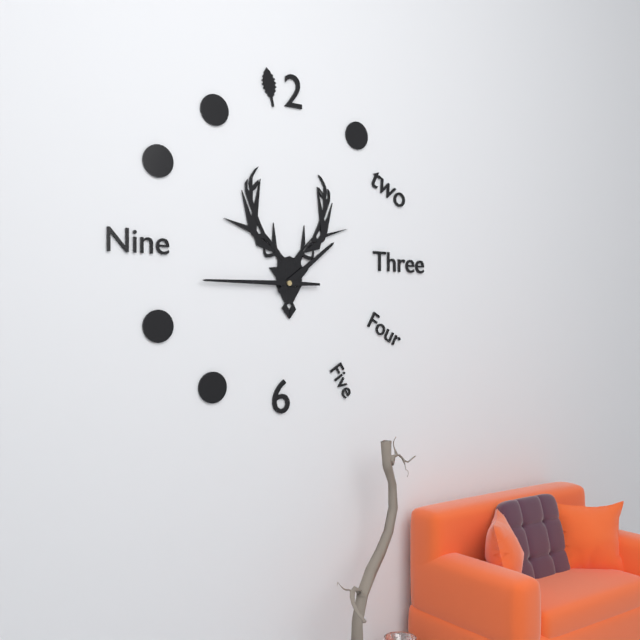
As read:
1,45
